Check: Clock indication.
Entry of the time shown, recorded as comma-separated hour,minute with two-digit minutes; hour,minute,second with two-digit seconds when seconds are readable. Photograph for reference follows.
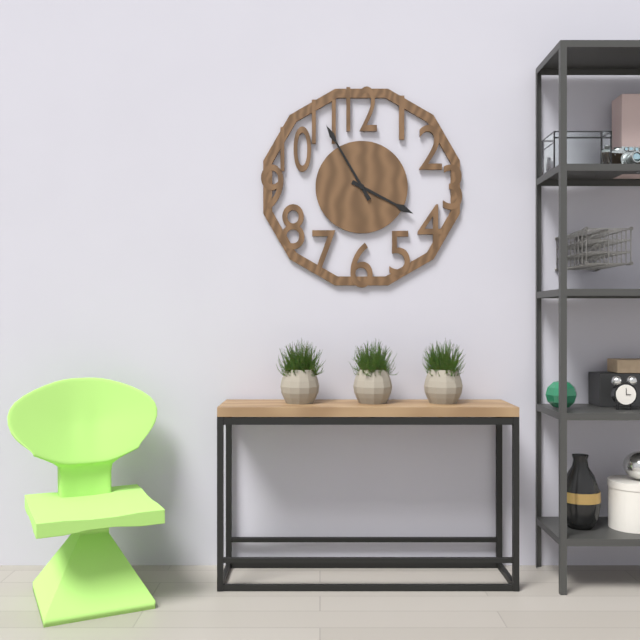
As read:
3,55
